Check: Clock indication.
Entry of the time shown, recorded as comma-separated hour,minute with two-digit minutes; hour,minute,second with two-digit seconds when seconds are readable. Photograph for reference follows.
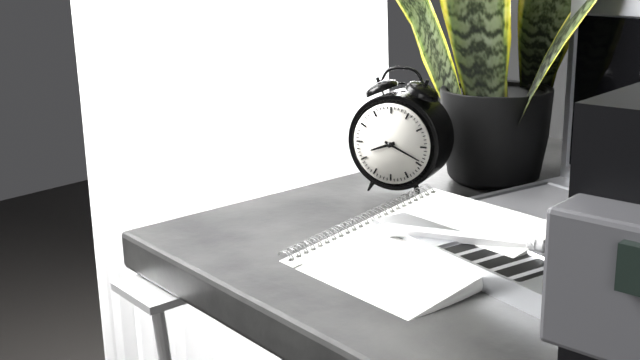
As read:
8,19
